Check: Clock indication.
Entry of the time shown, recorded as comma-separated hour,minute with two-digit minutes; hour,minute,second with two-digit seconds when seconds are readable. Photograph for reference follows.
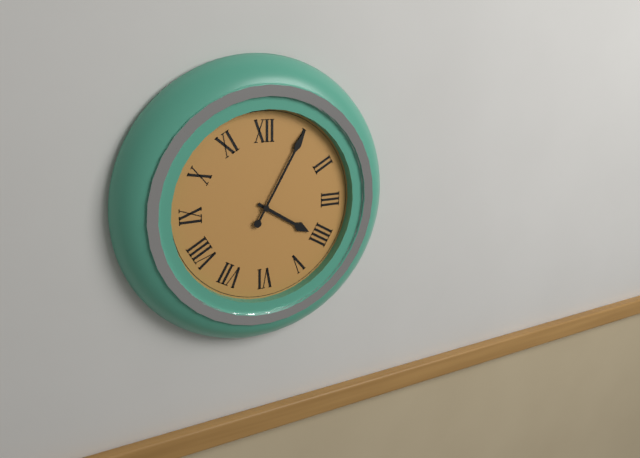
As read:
4,05
